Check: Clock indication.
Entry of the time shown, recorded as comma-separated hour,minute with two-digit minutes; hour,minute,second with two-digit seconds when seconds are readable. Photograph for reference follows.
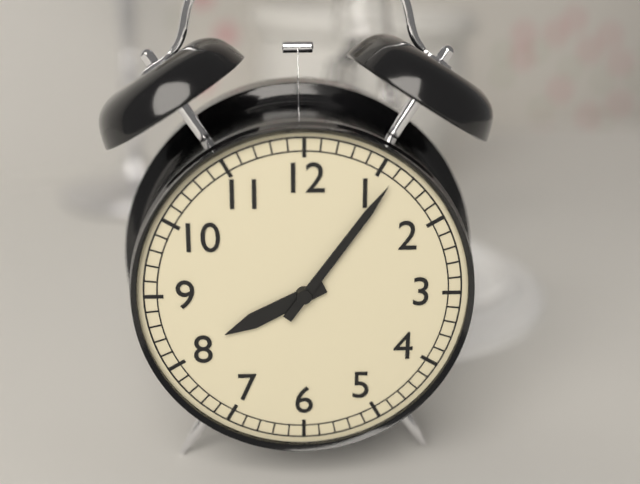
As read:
8,06
